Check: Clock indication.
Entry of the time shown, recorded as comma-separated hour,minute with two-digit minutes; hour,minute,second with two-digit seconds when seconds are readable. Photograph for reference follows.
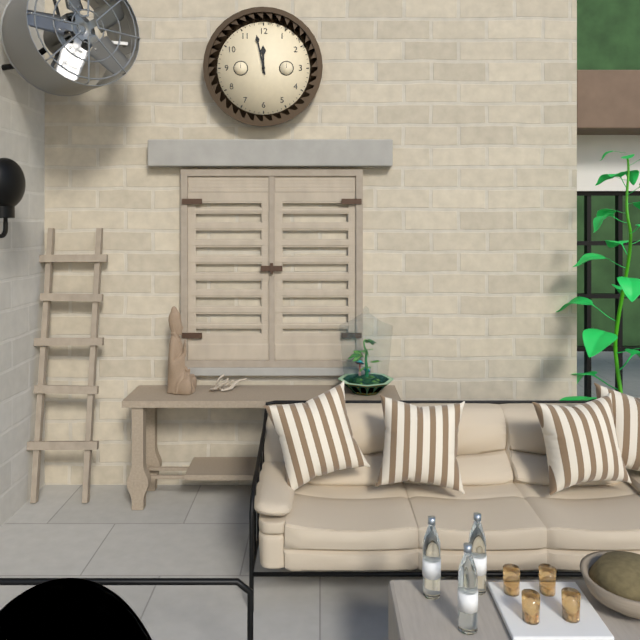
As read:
11,58
